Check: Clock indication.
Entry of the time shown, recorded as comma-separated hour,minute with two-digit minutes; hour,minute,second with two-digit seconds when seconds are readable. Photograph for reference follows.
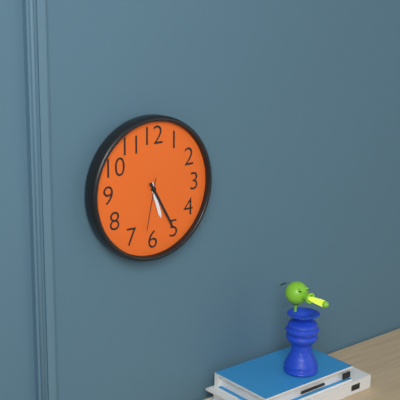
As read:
5,25,32
